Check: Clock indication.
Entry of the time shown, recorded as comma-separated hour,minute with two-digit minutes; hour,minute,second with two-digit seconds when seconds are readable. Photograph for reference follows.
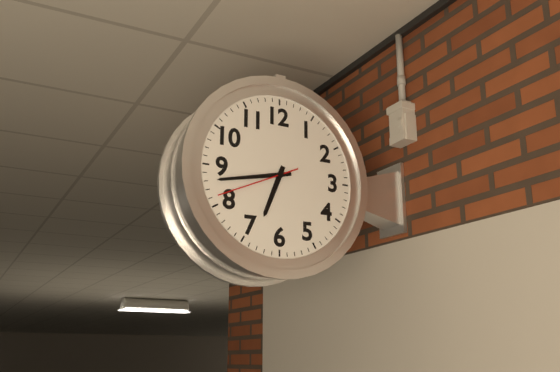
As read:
6,43,41
